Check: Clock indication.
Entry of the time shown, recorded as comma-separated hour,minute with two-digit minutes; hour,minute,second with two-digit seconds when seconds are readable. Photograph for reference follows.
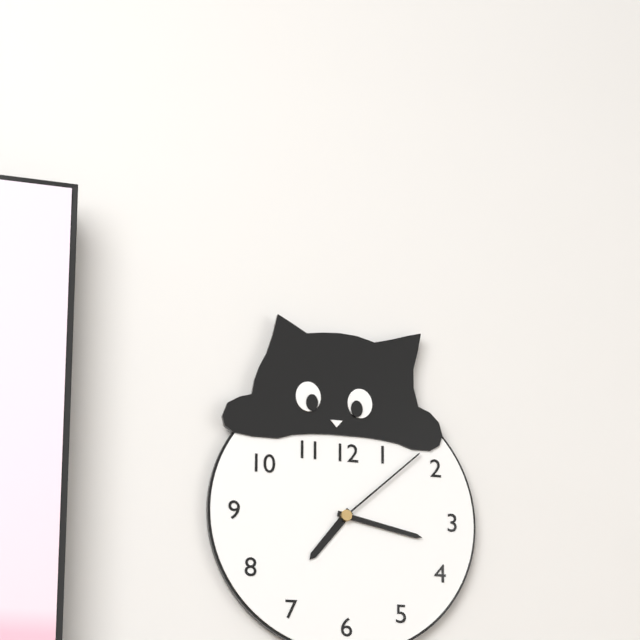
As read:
7,17,08
